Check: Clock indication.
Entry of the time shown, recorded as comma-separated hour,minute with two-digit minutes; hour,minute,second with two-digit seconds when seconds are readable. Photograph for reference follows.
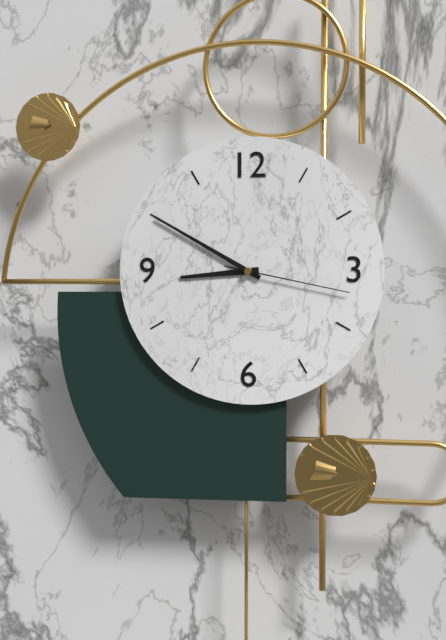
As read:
8,50,17
